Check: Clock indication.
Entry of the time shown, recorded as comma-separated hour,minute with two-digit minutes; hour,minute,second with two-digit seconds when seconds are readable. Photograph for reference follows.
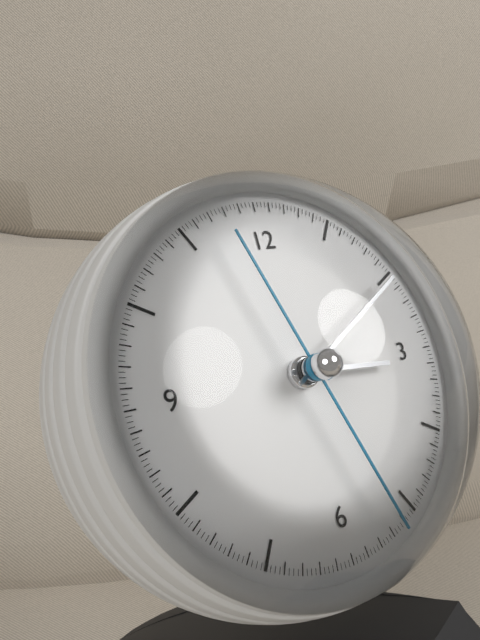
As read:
3,10,27
